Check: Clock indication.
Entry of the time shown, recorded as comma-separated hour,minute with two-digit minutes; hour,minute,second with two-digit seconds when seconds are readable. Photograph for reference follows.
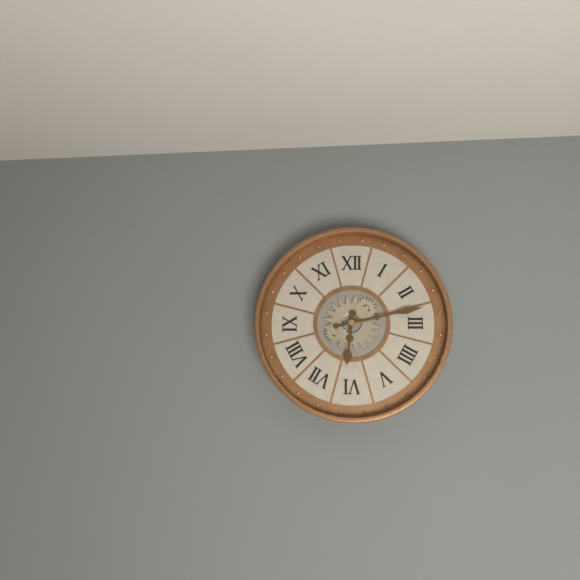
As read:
6,13
